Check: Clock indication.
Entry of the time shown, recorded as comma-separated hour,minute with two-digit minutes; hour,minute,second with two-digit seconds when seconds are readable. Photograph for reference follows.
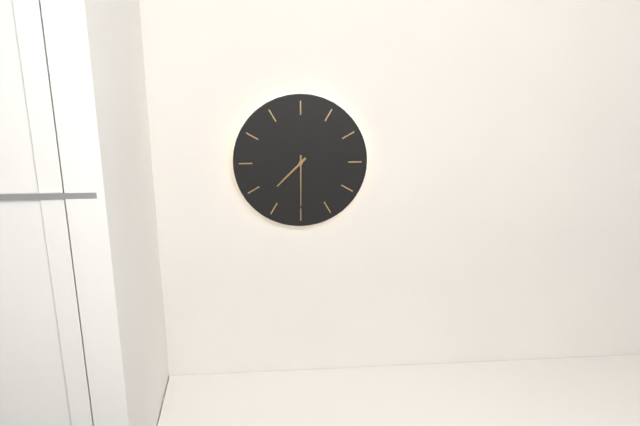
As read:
7,30
